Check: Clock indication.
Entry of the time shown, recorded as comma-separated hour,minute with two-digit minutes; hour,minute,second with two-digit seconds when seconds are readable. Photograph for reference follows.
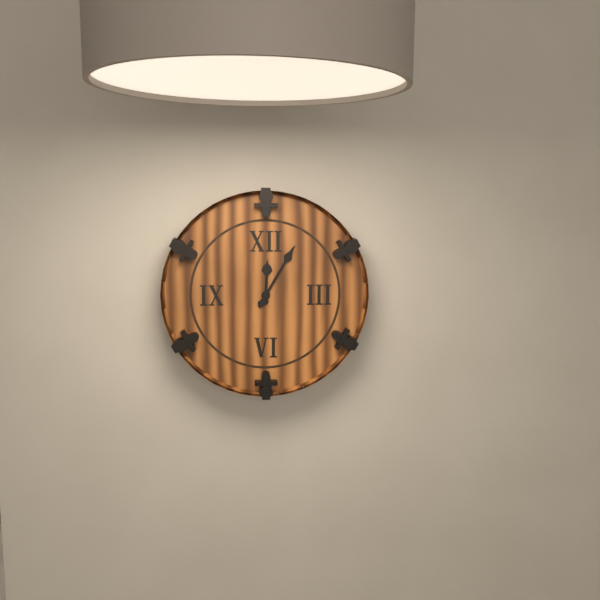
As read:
12,05
